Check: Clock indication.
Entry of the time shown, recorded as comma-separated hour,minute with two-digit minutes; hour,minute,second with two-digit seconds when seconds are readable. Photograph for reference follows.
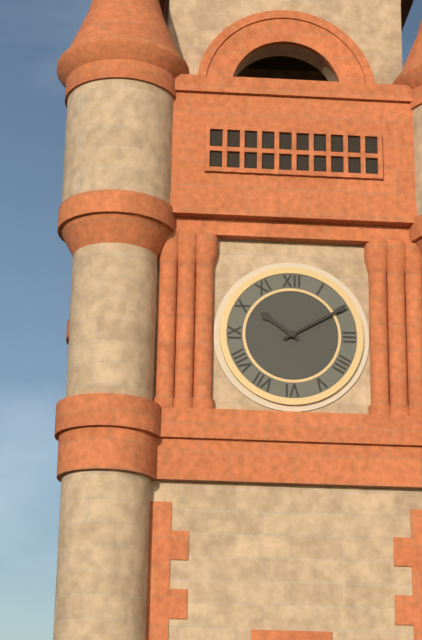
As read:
10,10
